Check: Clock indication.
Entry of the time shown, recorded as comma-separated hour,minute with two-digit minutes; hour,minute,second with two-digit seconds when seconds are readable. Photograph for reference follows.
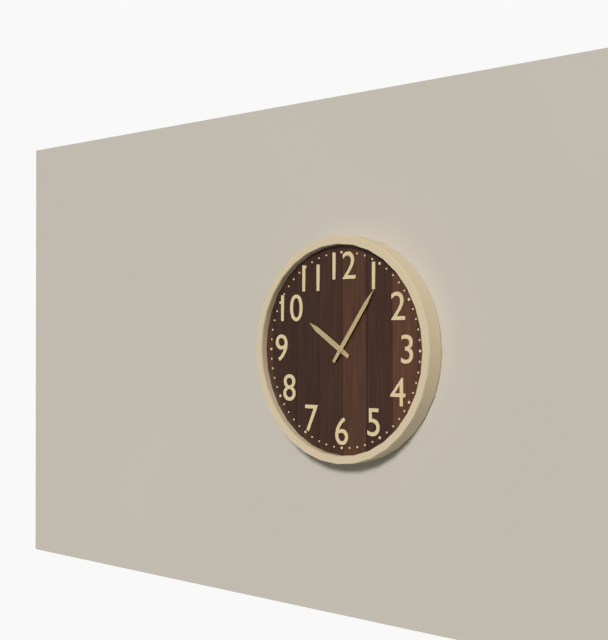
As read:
10,06
